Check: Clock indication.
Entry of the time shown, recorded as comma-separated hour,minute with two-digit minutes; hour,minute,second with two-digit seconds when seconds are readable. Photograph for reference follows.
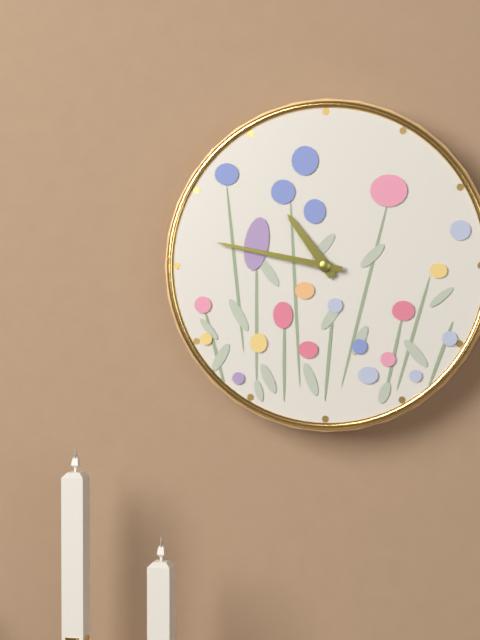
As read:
10,47
